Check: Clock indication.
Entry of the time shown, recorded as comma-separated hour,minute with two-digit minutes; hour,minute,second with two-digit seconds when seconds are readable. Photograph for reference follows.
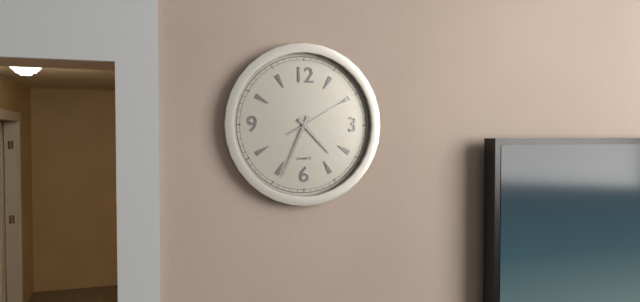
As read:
4,34,10
